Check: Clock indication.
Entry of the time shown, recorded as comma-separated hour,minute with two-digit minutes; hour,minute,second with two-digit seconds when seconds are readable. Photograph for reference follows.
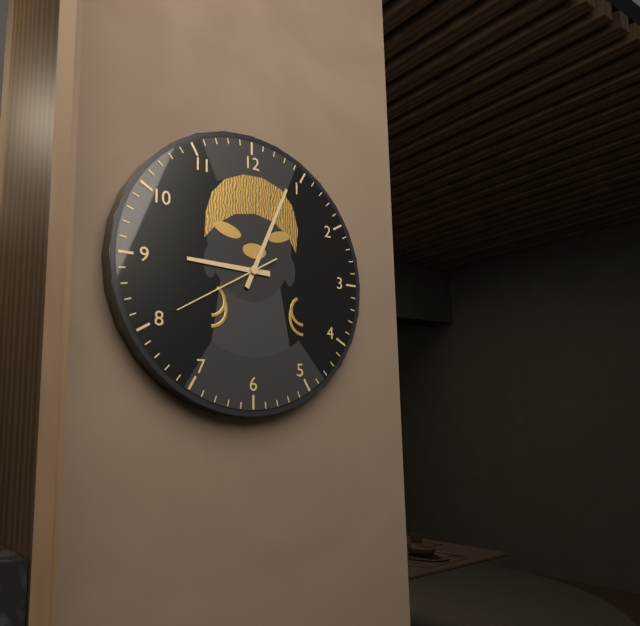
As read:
9,04,40
